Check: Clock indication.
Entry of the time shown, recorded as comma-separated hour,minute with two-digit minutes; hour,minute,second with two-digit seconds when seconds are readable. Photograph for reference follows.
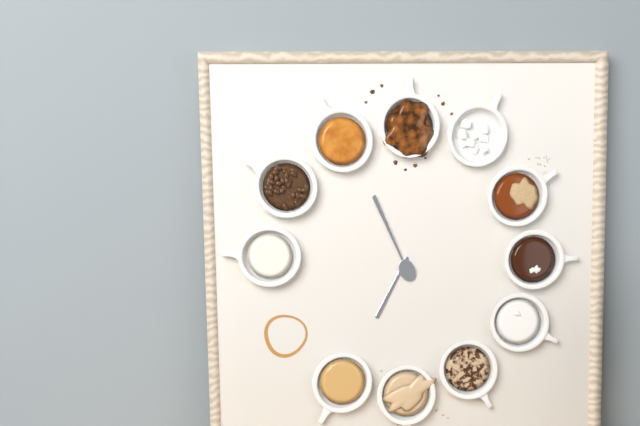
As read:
6,56
